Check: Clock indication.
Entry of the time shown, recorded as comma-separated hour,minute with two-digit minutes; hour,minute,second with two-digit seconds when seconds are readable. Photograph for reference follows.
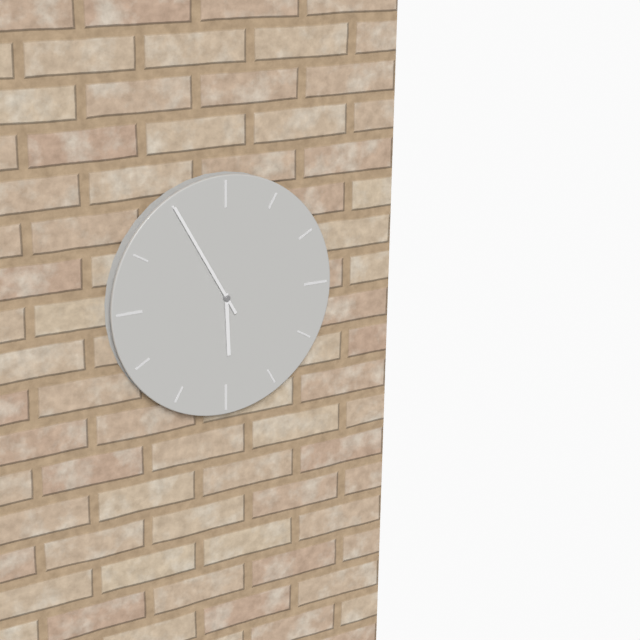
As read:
5,55
